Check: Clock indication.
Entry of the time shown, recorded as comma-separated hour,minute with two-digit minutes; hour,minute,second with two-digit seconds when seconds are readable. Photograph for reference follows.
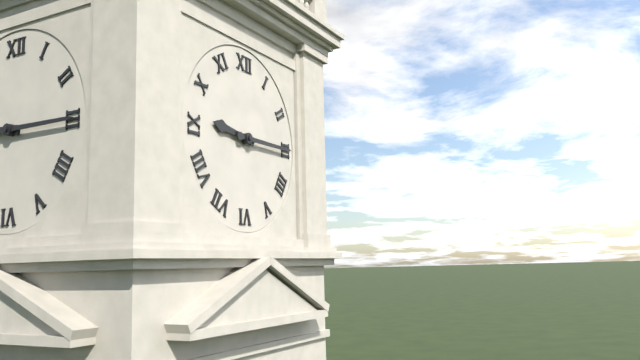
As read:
9,15
